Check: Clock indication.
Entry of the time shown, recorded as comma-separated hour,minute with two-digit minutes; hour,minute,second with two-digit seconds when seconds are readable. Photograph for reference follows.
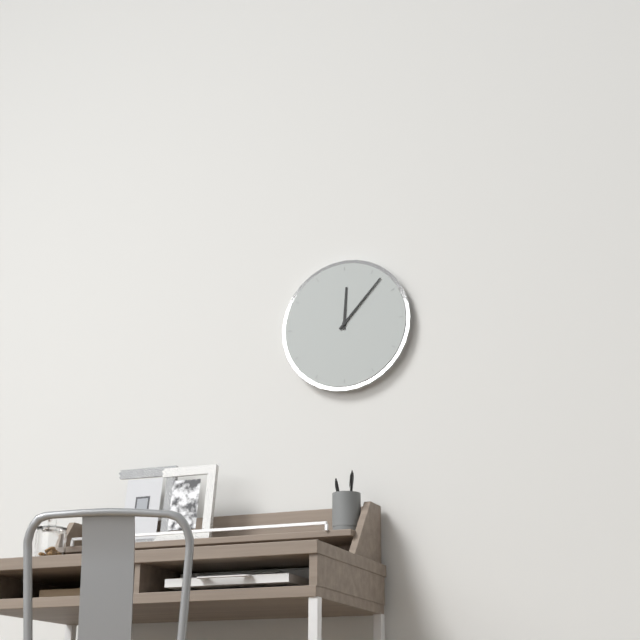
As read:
12,07
